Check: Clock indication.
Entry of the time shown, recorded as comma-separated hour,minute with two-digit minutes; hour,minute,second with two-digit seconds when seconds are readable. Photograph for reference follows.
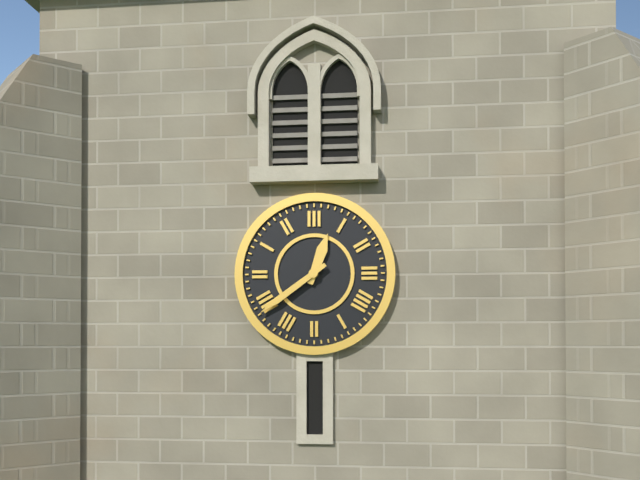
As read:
12,39
